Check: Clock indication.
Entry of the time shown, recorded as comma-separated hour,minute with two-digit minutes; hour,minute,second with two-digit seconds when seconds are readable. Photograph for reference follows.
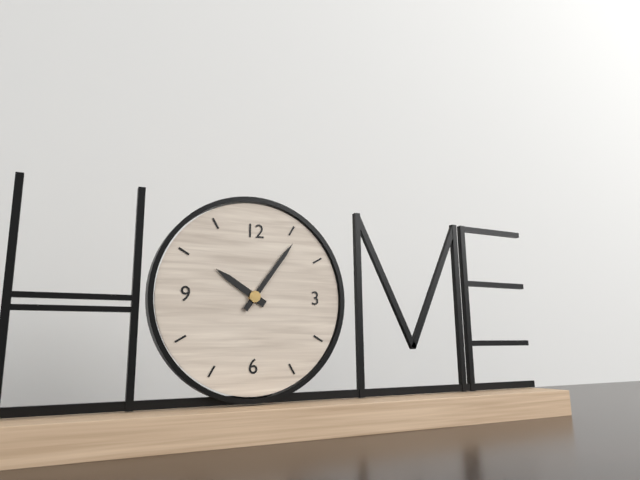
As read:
10,06
